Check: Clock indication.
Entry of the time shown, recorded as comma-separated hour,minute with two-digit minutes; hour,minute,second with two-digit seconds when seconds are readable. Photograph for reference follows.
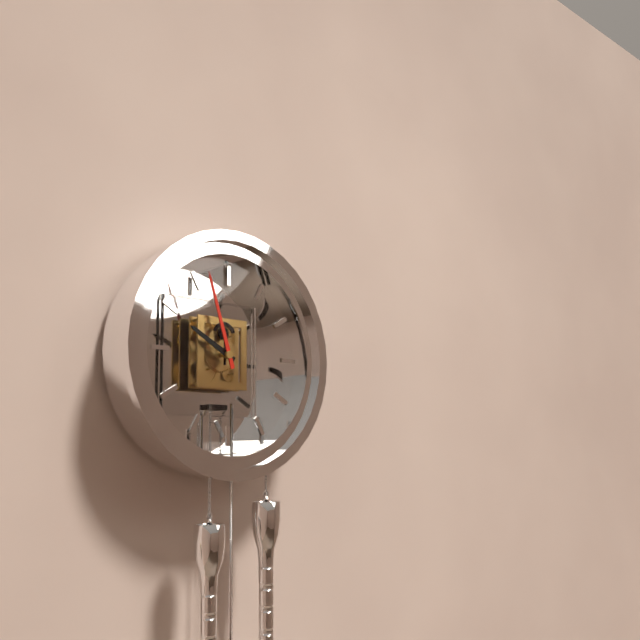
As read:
9,57
